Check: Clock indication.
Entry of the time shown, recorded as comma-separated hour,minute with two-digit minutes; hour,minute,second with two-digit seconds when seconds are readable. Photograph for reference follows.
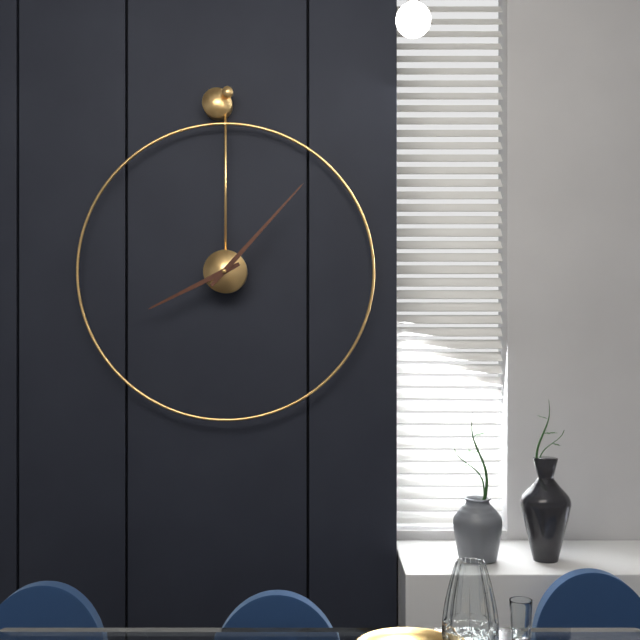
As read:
8,07
